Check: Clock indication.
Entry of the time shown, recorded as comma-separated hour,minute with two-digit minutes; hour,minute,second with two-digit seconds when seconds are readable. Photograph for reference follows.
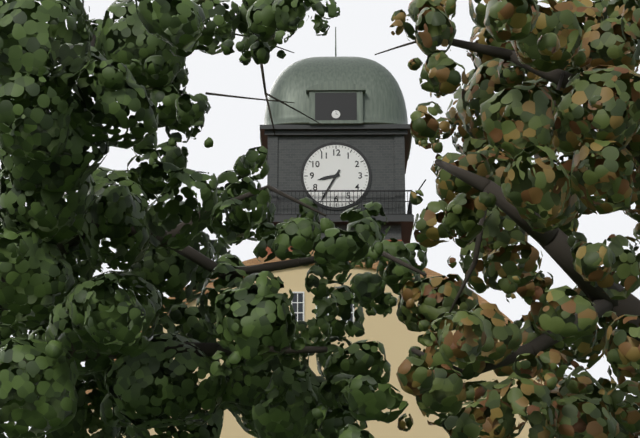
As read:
8,35
